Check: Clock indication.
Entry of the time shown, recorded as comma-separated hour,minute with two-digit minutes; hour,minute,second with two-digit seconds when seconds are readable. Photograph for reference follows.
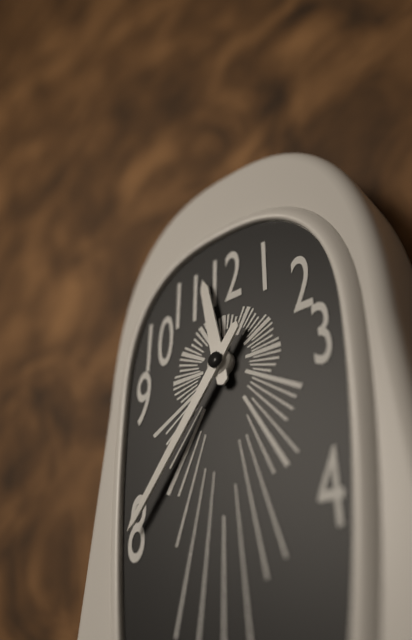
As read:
11,36
